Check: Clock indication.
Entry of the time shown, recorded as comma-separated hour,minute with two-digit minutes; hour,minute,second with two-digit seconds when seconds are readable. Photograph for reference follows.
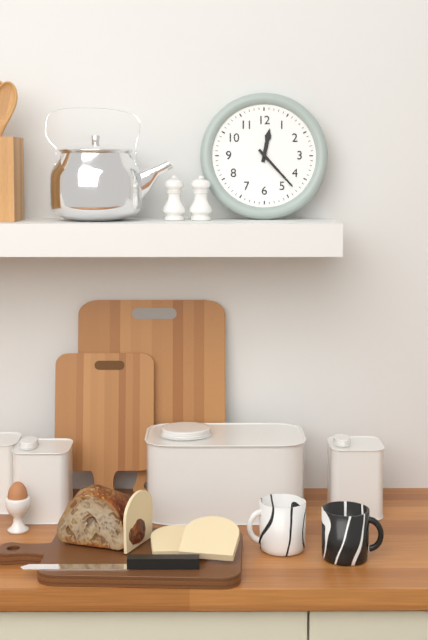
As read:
12,23
